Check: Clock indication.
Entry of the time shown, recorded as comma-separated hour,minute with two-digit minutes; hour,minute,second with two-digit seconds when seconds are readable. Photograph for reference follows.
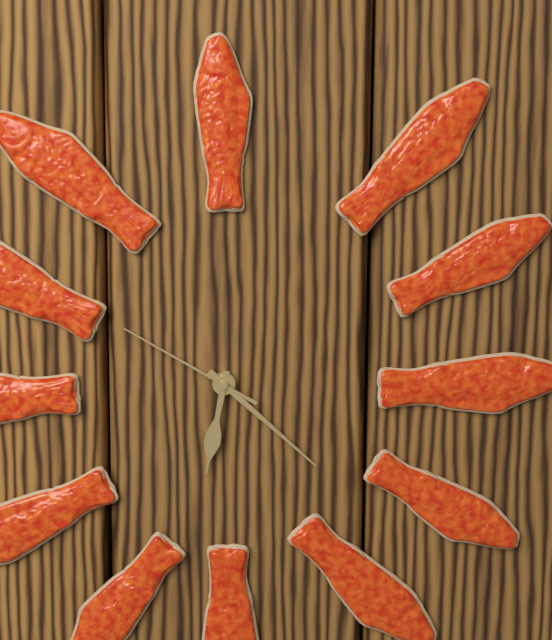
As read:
6,22,50
